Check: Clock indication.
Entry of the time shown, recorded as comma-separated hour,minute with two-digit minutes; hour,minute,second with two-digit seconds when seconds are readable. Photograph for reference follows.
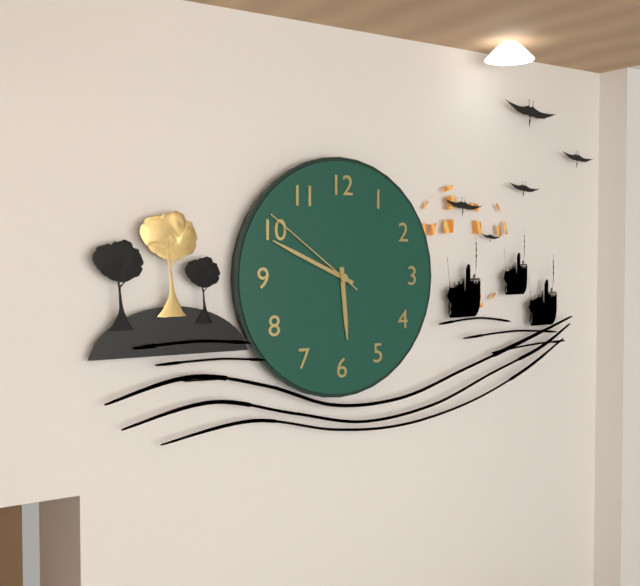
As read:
5,49,51
